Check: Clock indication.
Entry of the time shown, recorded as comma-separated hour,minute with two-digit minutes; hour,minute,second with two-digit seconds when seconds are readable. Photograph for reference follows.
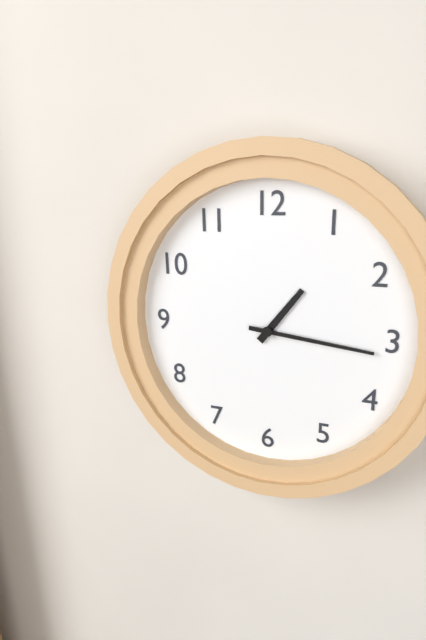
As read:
1,16
